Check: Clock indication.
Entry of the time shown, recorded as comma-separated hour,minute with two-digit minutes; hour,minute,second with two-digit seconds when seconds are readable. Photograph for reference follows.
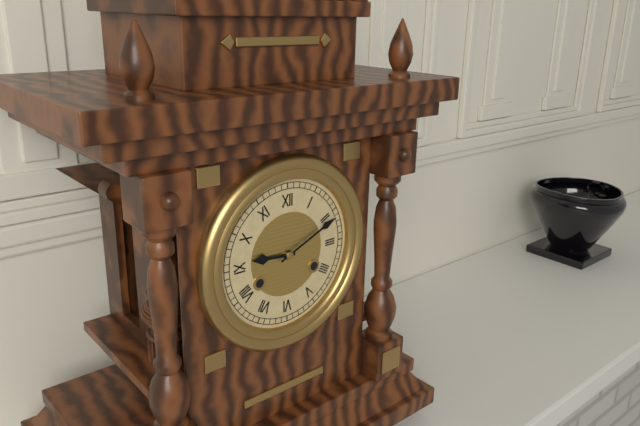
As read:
9,11
